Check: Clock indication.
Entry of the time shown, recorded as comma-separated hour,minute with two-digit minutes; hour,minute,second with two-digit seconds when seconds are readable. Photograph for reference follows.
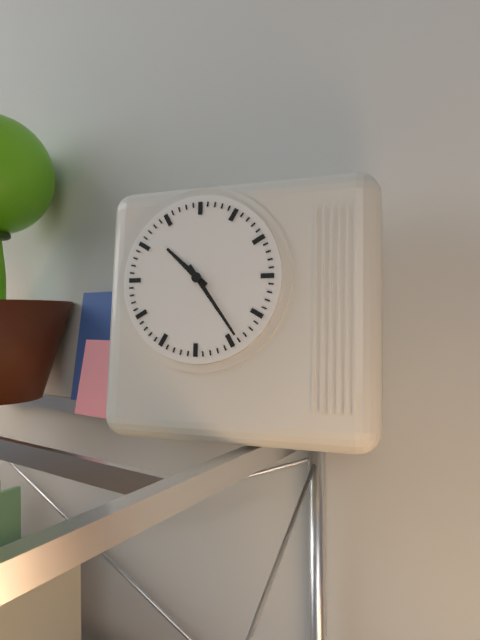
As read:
10,24
